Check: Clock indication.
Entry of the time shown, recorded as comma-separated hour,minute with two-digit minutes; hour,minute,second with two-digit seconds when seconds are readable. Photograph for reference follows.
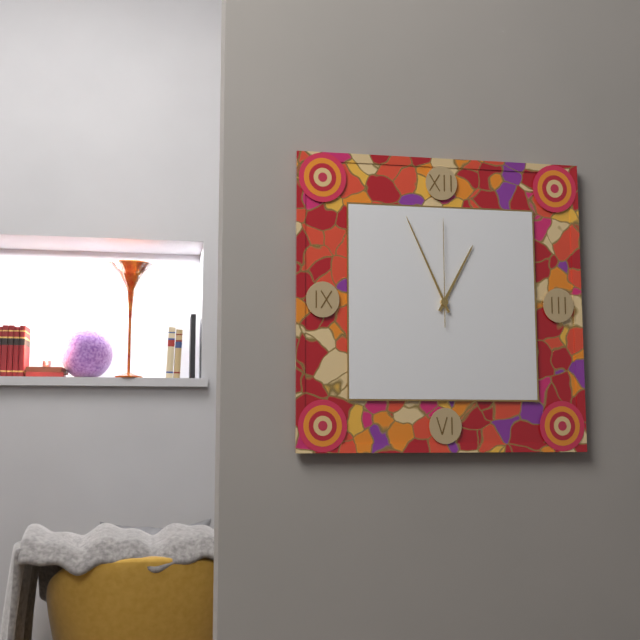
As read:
12,56,00
